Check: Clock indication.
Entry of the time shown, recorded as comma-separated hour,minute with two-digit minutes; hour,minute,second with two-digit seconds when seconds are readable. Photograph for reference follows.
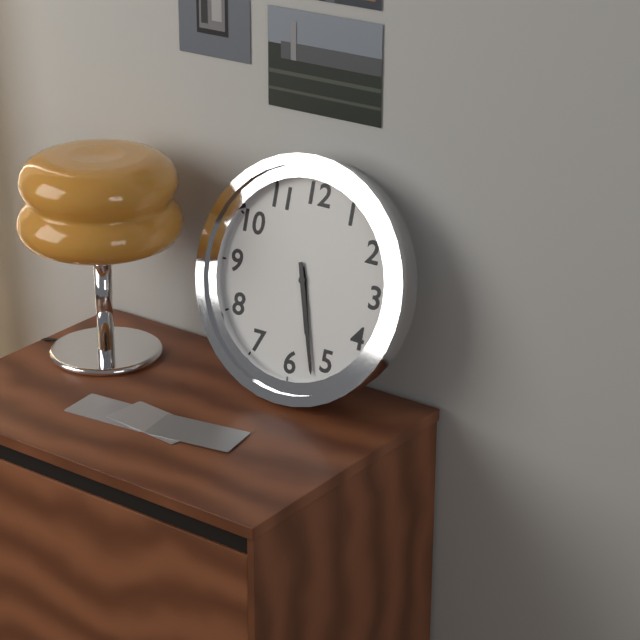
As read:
5,27
